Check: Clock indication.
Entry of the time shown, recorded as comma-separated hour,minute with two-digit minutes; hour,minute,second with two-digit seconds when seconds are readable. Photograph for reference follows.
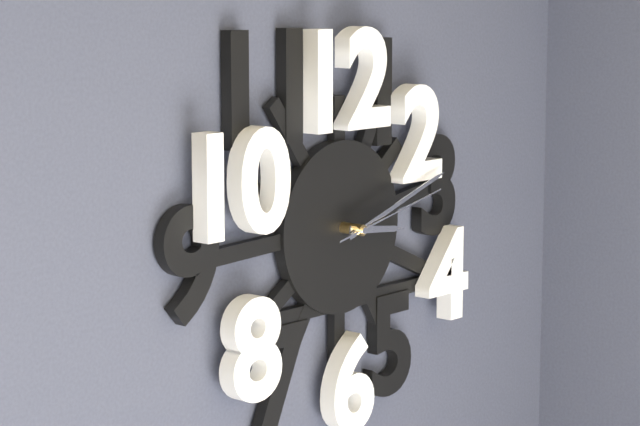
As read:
3,12,13
